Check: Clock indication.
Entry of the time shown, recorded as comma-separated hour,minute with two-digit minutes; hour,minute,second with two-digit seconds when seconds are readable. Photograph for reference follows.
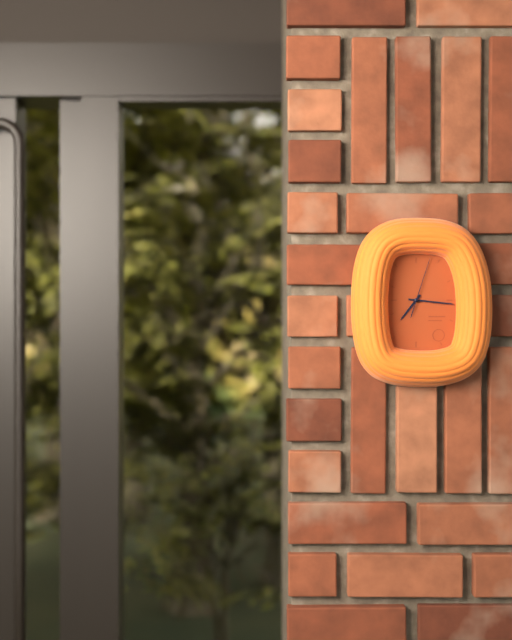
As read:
7,16,03
